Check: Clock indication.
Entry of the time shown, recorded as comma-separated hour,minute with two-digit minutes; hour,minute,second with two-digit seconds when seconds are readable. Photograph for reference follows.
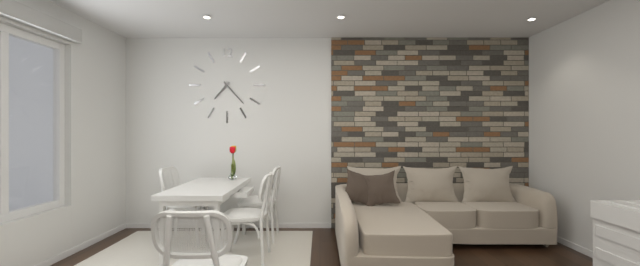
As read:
7,23
